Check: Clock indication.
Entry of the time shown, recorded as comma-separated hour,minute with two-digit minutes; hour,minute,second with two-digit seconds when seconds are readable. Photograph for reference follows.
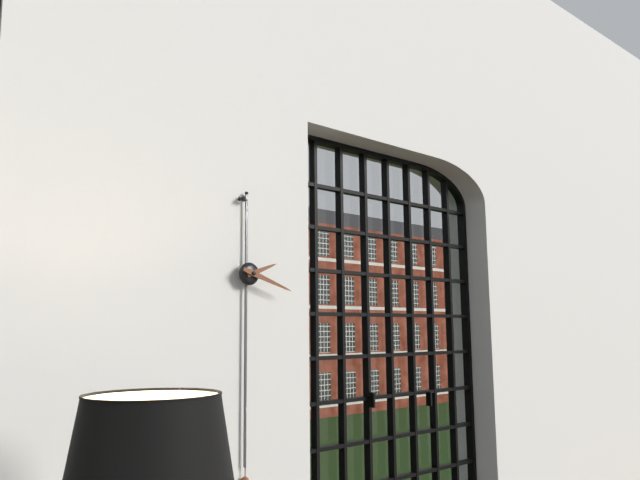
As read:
2,18
